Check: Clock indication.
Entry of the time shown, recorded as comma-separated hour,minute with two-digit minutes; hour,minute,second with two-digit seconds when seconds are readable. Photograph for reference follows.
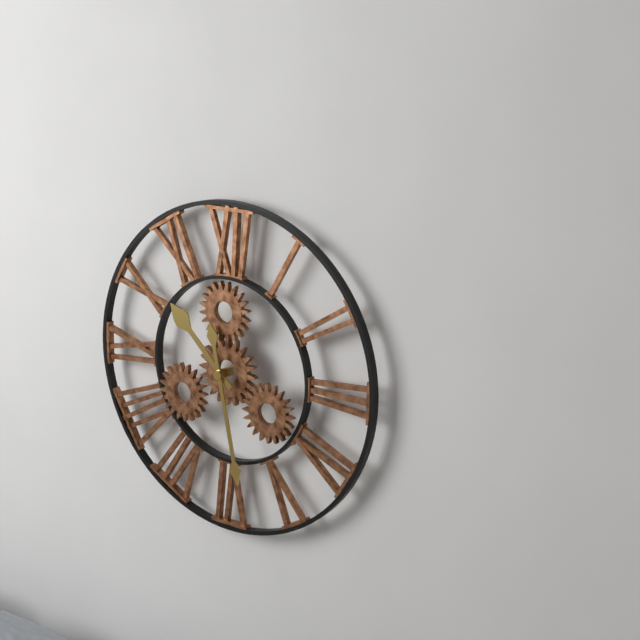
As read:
10,28
